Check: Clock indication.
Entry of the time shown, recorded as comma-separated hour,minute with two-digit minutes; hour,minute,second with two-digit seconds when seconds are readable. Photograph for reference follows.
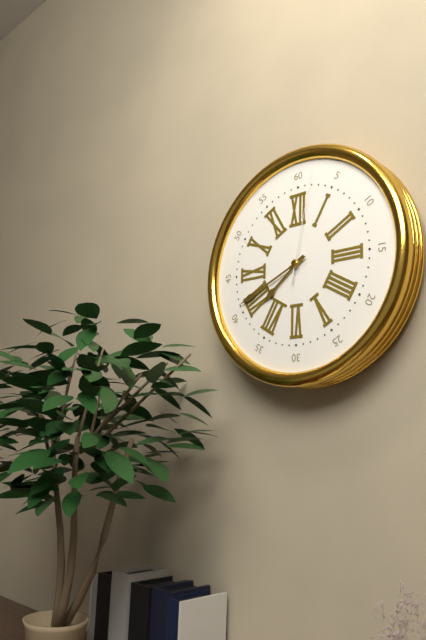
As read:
7,41,02
